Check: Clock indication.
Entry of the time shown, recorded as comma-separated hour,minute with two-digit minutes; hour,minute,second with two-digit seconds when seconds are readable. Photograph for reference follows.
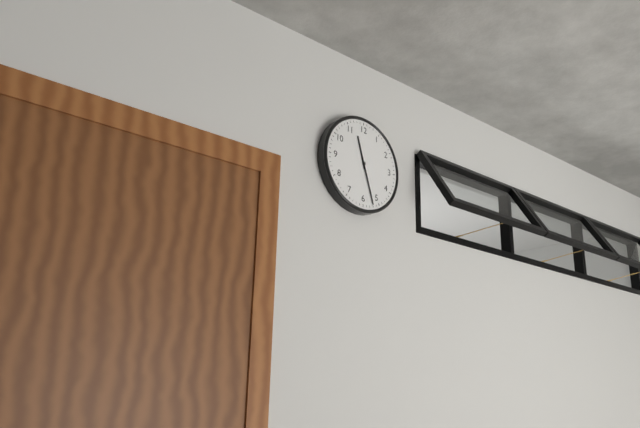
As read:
11,27
